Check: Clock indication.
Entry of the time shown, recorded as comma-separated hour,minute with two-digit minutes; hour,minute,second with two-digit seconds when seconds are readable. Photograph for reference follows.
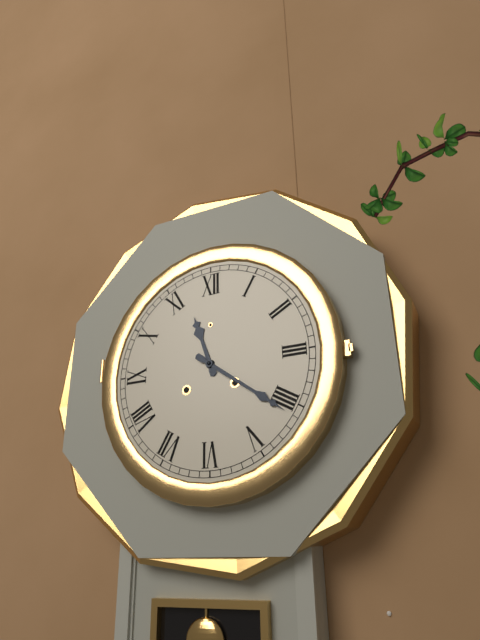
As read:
11,21
